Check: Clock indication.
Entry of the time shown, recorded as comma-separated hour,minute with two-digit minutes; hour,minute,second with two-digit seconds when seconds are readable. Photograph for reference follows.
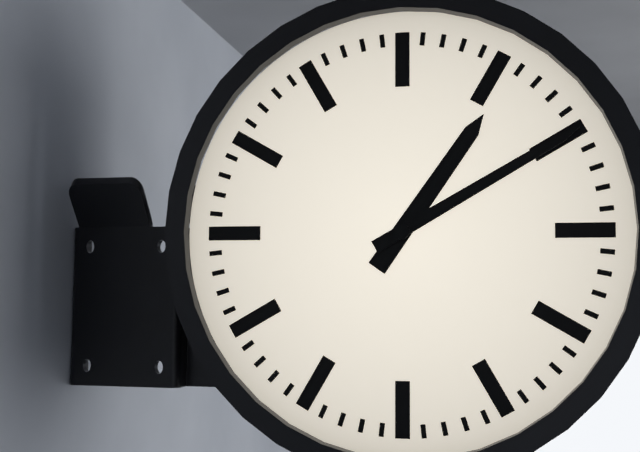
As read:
1,10
